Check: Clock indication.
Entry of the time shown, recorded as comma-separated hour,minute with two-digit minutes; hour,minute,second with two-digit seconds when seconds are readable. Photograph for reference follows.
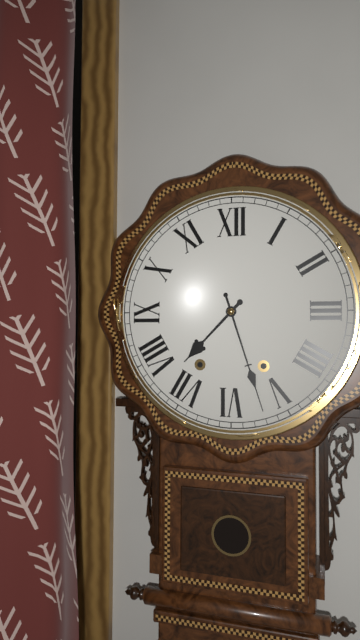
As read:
7,27
